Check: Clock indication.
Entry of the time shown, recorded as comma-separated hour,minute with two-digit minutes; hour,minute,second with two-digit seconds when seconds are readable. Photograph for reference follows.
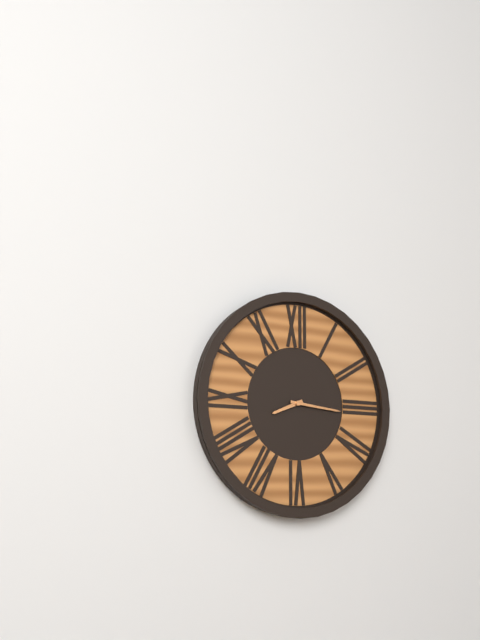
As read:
8,16
